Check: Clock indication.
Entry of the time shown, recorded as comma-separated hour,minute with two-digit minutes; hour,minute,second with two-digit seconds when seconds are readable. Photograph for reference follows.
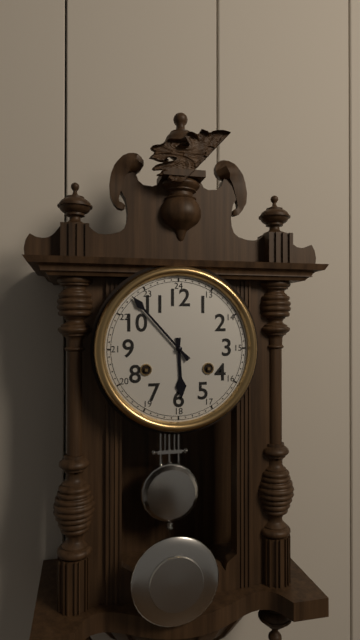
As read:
5,53
